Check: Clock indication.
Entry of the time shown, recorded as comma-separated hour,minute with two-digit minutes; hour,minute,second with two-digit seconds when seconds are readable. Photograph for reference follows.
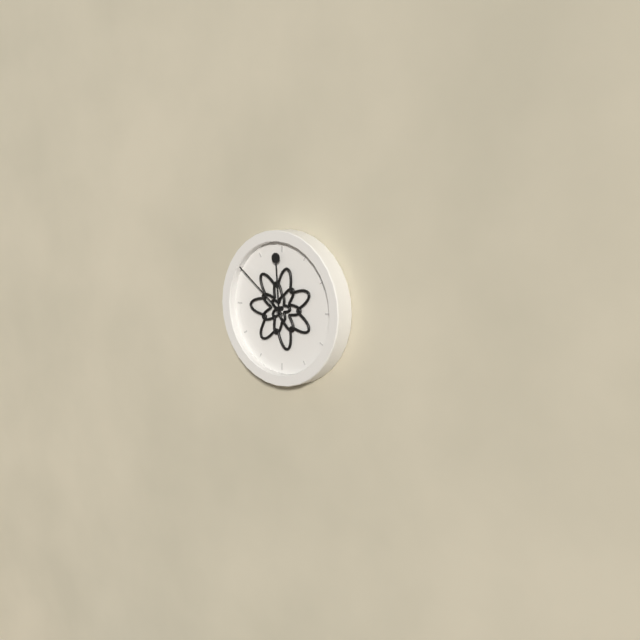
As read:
11,51
